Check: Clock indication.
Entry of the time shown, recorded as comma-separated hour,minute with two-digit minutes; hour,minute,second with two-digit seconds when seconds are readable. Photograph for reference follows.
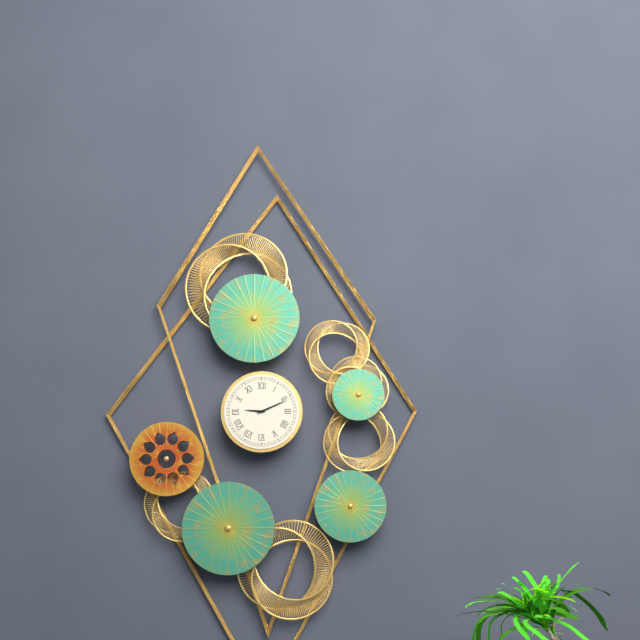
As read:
9,11
